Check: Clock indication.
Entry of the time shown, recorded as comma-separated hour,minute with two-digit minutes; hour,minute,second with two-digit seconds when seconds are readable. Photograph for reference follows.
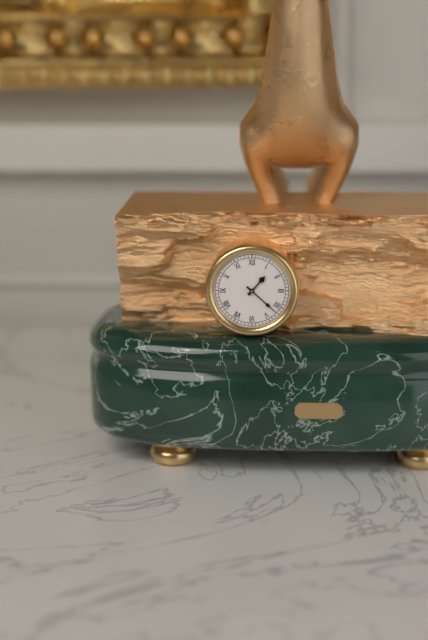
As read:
1,22
